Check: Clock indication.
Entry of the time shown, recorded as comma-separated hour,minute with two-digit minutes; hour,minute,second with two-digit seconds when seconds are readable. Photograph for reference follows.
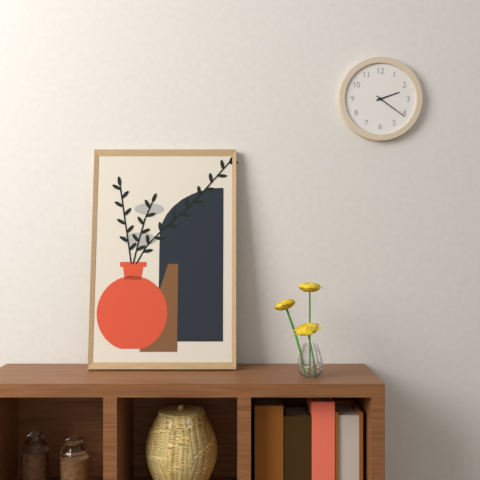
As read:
2,21
